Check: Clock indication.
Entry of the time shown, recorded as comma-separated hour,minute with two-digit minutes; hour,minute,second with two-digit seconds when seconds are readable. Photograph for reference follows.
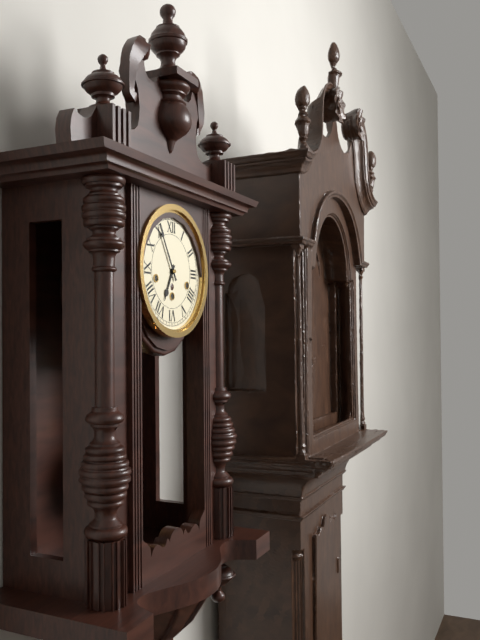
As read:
6,55
